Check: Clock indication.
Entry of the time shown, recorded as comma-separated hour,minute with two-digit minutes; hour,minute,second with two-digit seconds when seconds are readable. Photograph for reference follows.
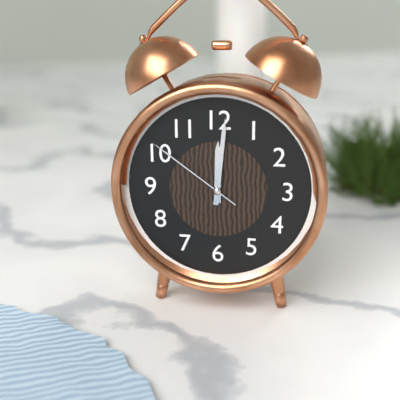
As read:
12,01,51
